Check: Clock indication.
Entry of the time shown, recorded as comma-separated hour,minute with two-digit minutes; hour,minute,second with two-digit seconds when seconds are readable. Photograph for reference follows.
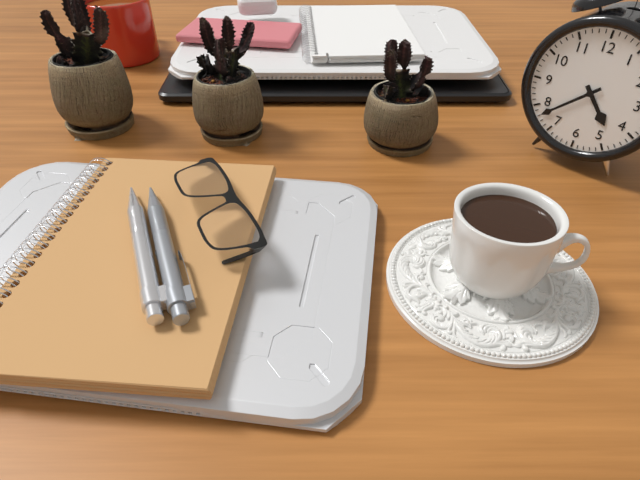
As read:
4,38
